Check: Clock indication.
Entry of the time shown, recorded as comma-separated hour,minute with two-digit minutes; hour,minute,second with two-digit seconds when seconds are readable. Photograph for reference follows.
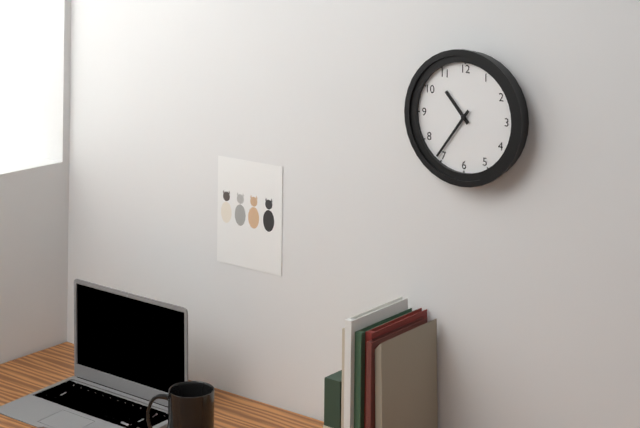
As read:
10,36
